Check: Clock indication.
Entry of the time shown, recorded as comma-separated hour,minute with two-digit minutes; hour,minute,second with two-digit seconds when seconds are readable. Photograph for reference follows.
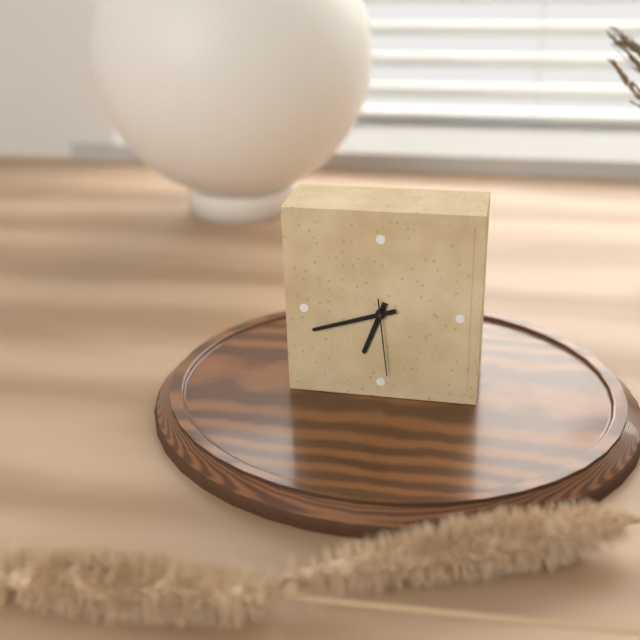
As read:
6,42,29
